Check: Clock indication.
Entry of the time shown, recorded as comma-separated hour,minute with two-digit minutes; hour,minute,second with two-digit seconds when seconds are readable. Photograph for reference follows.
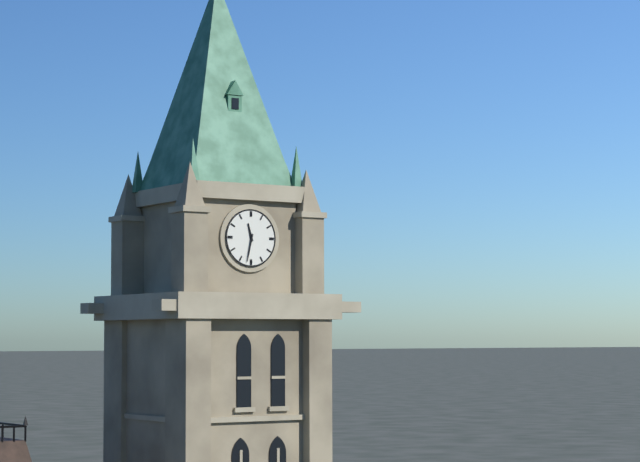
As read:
11,32
